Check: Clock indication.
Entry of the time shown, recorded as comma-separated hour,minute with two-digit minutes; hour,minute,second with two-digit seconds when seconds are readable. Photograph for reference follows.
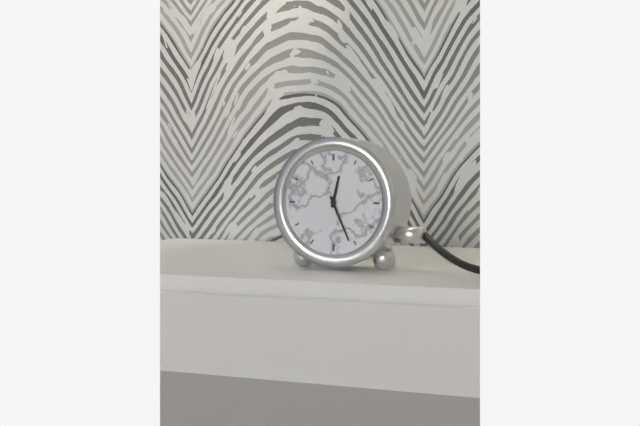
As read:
12,26
